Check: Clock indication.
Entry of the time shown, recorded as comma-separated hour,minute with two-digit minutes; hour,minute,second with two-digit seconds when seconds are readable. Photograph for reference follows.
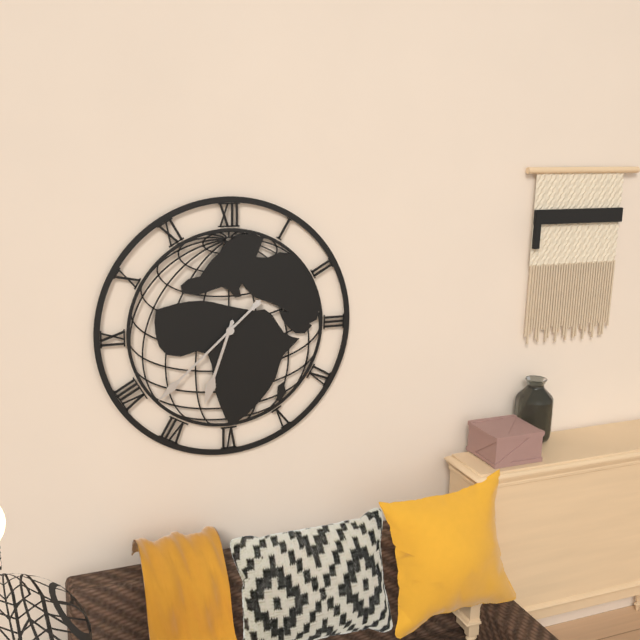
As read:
6,38
